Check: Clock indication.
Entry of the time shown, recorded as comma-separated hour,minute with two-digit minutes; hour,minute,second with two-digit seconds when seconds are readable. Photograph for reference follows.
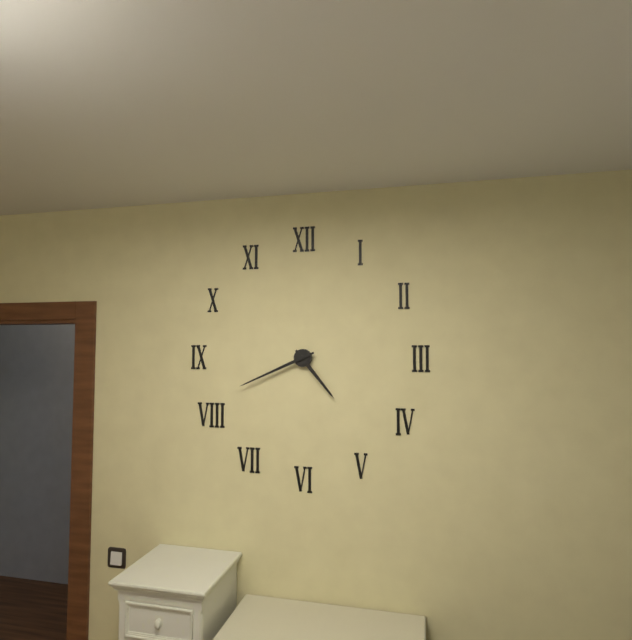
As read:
4,41
